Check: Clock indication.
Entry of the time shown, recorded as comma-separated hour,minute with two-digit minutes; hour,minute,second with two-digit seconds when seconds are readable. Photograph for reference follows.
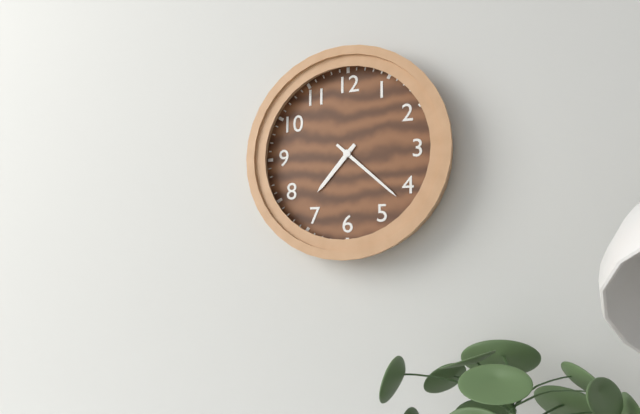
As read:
7,22
